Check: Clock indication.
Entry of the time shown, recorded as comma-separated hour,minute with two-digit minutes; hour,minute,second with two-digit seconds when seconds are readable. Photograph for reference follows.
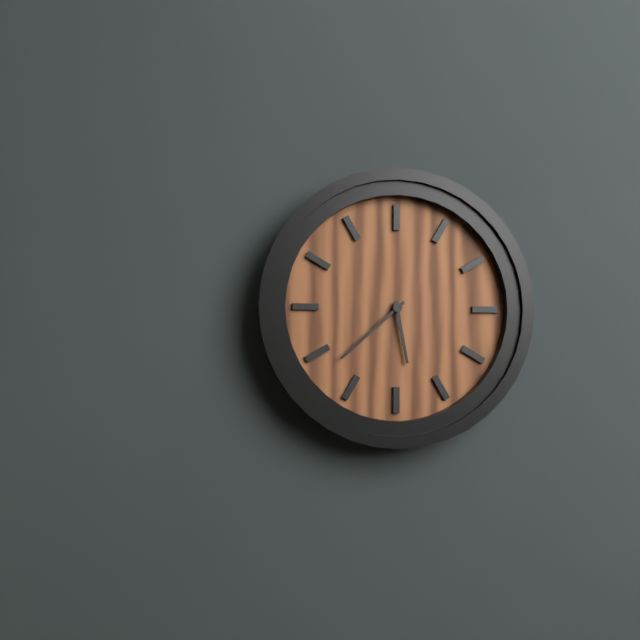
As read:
5,38
